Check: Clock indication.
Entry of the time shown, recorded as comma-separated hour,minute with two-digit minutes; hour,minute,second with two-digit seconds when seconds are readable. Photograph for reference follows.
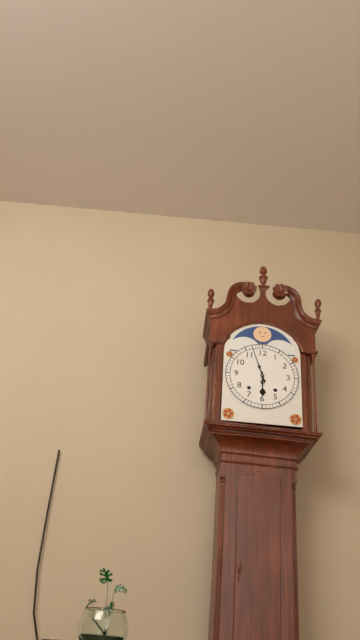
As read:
5,57
